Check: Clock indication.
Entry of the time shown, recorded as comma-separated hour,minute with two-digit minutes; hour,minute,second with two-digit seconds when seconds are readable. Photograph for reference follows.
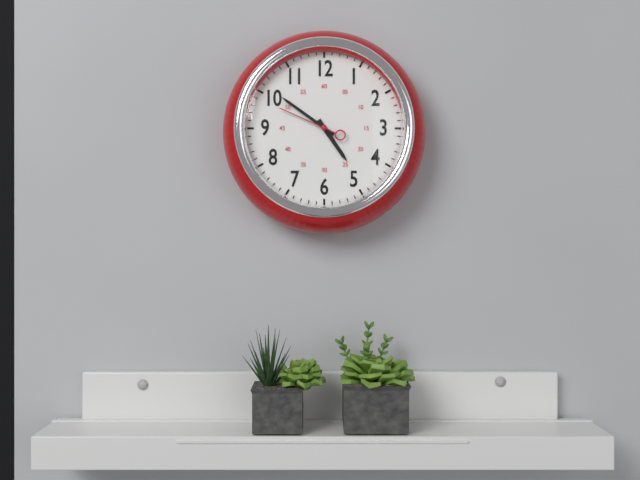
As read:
4,51,49
